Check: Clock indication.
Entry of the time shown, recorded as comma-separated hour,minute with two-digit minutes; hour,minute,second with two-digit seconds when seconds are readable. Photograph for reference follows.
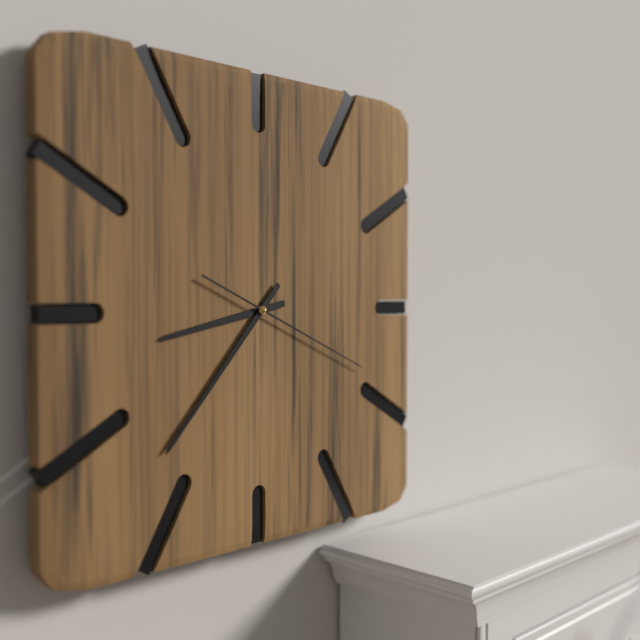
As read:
8,37,19
